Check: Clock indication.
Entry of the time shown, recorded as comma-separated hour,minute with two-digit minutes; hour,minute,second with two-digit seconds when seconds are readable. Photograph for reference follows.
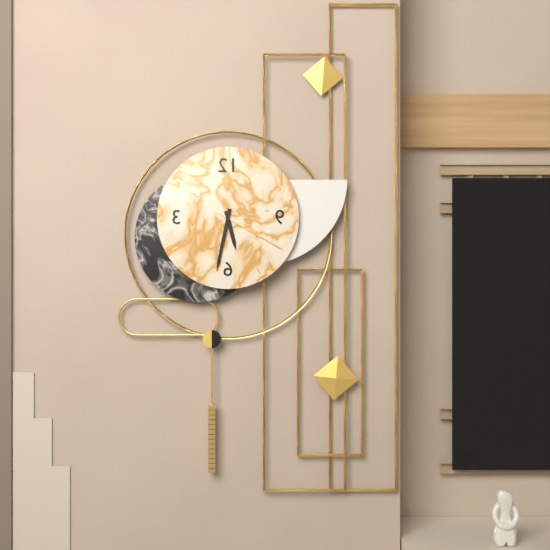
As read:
5,32,20
